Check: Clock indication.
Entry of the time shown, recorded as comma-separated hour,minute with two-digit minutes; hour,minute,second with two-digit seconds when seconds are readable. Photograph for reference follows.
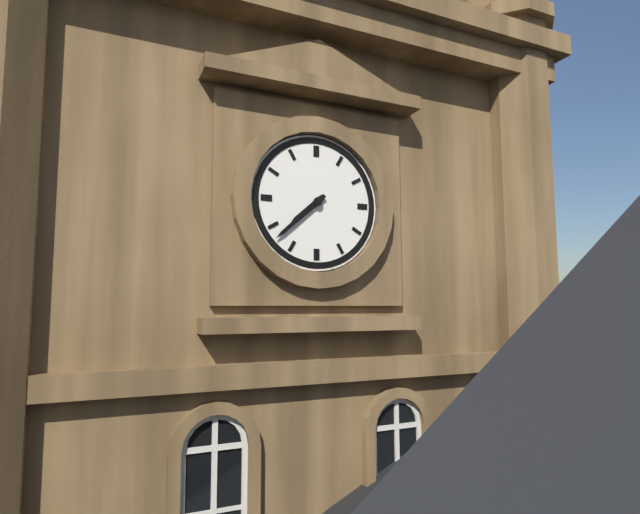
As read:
7,38
